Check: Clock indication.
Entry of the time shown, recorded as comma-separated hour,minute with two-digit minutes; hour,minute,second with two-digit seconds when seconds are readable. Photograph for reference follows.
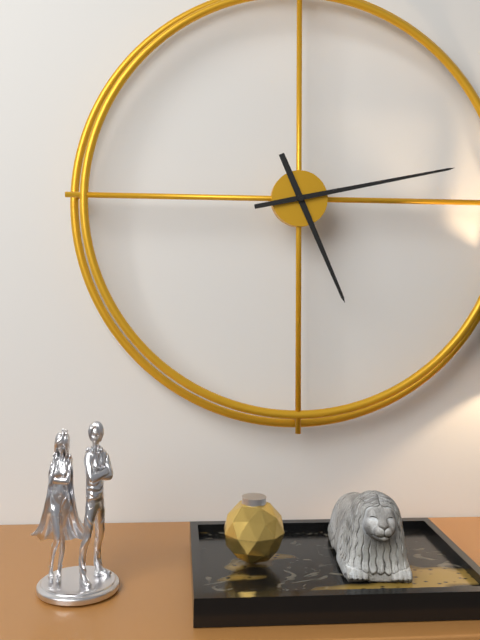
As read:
5,13
